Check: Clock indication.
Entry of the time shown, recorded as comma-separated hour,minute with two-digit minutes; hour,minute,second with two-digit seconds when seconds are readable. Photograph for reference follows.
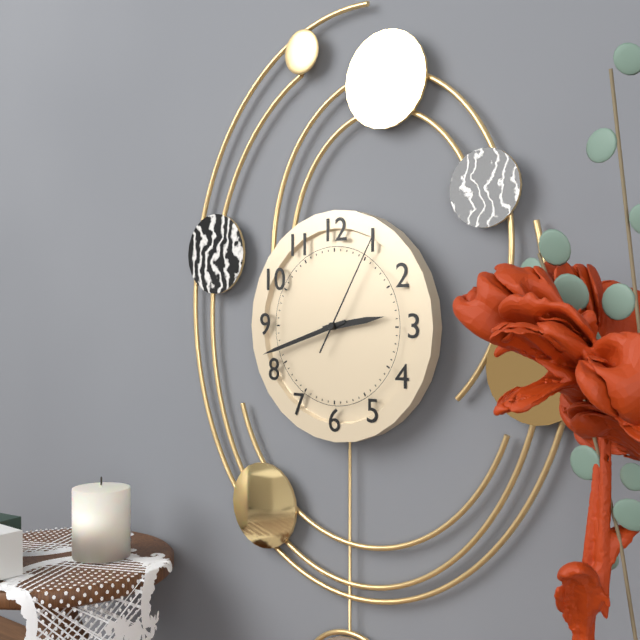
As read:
2,42,05
